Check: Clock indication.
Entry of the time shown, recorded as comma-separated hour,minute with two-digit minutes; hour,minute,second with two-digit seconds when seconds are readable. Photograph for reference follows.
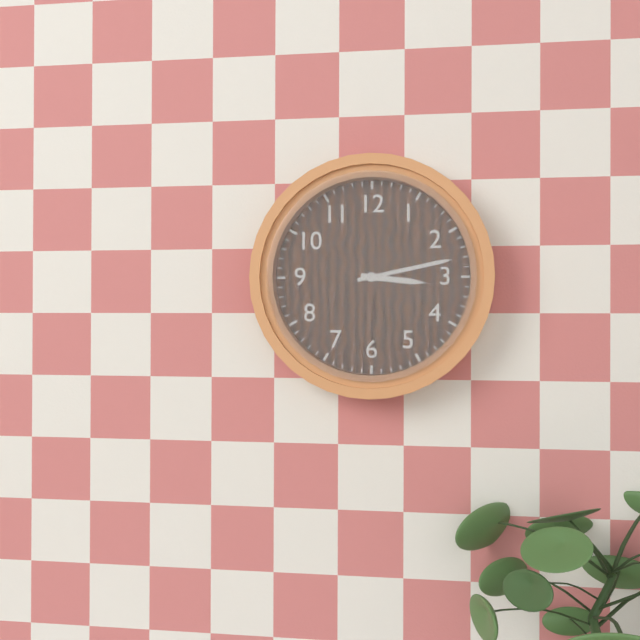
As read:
3,13
